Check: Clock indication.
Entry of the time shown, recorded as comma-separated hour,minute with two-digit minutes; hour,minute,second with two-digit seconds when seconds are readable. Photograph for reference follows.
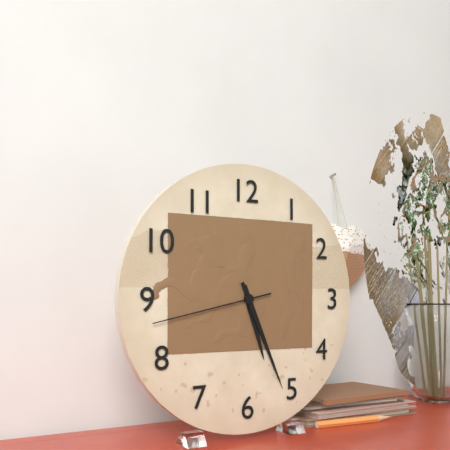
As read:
5,26,43
